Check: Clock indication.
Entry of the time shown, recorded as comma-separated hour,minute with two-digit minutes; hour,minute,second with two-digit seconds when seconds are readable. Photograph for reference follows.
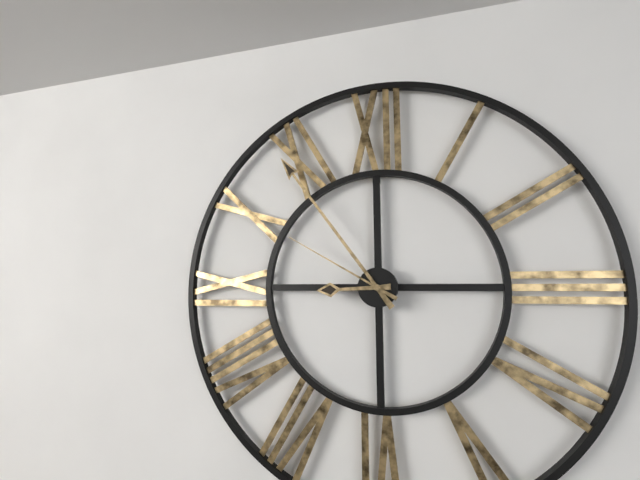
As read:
8,54,50
